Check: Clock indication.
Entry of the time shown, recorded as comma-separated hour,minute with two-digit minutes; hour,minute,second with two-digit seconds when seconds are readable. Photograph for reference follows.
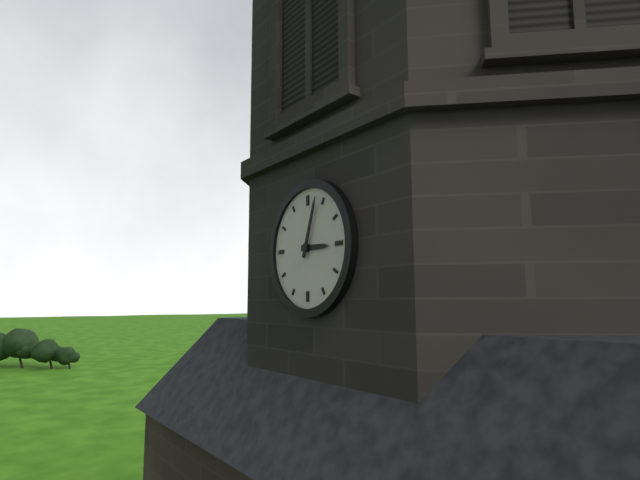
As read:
3,03
